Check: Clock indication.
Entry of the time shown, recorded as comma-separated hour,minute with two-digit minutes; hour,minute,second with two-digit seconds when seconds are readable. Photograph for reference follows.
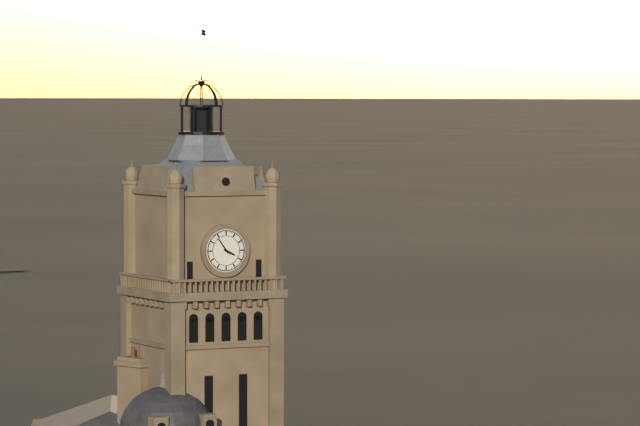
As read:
3,54
